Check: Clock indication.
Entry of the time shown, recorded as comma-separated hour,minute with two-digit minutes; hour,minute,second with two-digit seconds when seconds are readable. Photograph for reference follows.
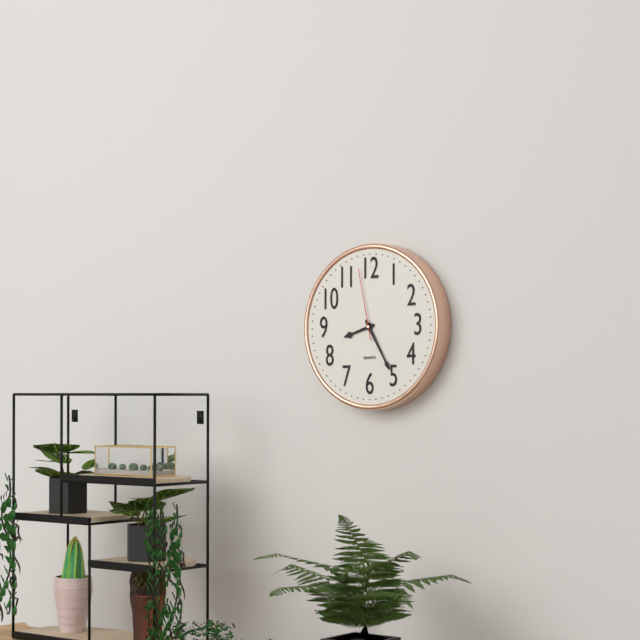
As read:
8,25,58
